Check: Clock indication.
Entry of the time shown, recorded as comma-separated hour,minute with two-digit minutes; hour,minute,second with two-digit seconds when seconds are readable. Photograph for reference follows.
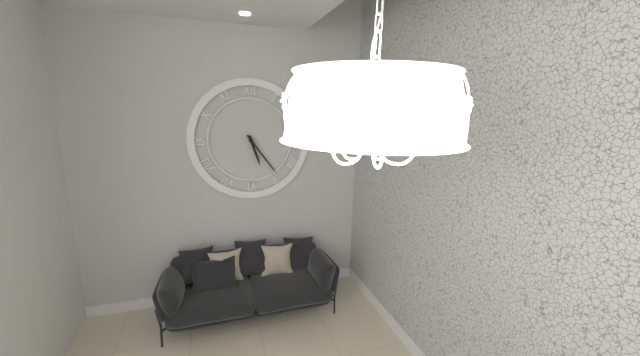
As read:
5,24
